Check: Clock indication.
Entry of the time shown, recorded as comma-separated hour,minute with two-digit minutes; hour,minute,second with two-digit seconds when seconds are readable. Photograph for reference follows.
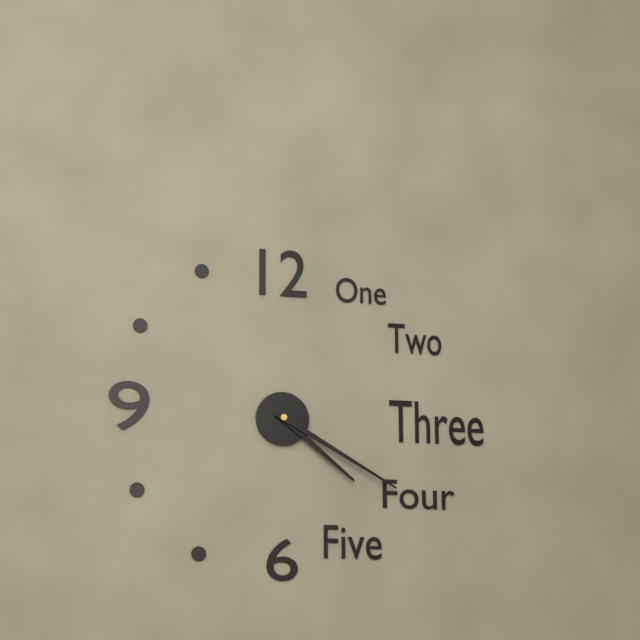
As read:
4,20
